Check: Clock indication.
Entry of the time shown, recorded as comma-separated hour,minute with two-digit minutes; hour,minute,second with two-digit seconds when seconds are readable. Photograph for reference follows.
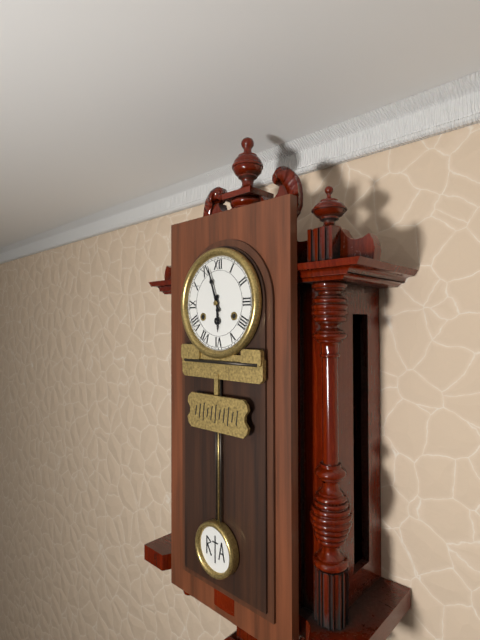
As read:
5,57
